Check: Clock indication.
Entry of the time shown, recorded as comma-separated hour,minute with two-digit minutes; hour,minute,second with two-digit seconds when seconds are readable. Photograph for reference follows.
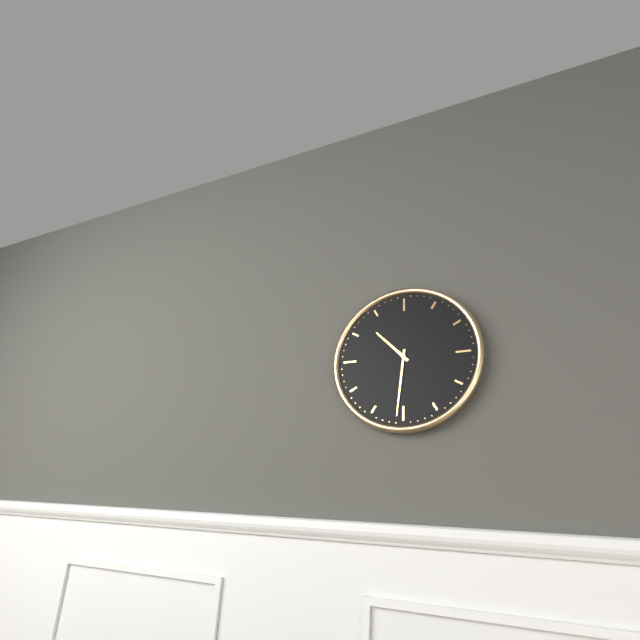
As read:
10,31
